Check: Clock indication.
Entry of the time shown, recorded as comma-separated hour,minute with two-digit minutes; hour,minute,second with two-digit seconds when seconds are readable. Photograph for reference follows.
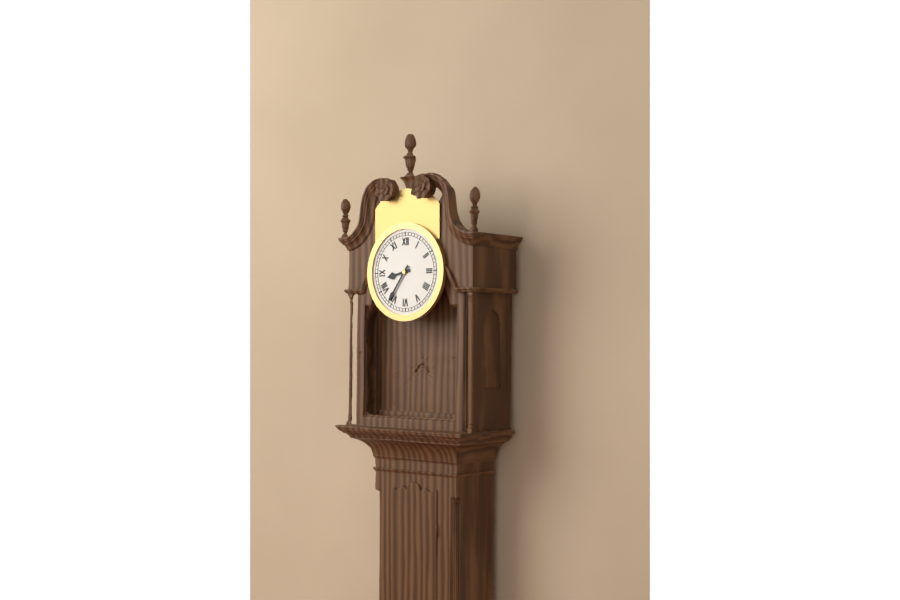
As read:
8,36
